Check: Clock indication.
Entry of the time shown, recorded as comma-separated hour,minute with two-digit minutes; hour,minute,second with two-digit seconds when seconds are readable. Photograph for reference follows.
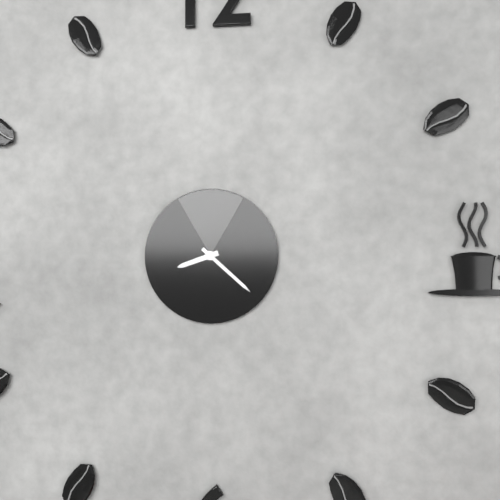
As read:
8,22
